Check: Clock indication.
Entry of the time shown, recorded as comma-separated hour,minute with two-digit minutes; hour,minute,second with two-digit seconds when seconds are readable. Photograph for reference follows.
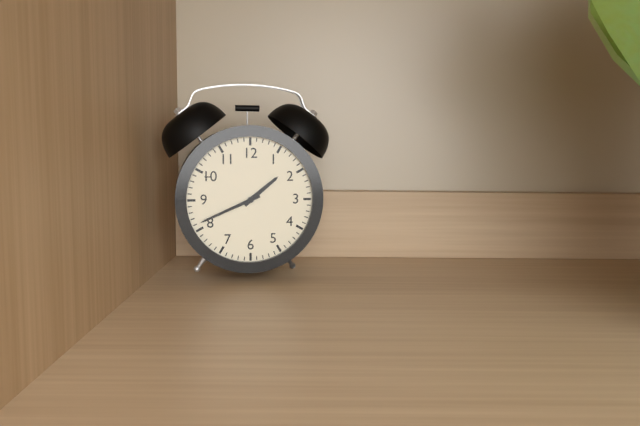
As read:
1,41
